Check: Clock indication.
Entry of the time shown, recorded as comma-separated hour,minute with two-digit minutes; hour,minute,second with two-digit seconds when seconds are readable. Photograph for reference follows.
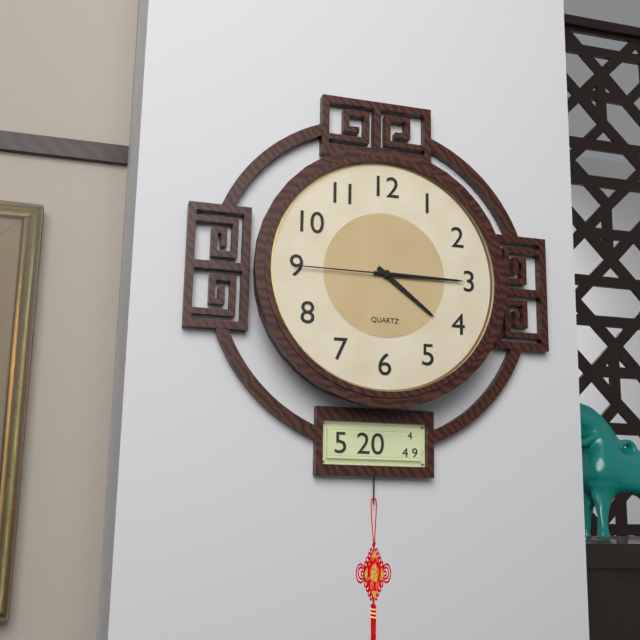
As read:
4,15,45
